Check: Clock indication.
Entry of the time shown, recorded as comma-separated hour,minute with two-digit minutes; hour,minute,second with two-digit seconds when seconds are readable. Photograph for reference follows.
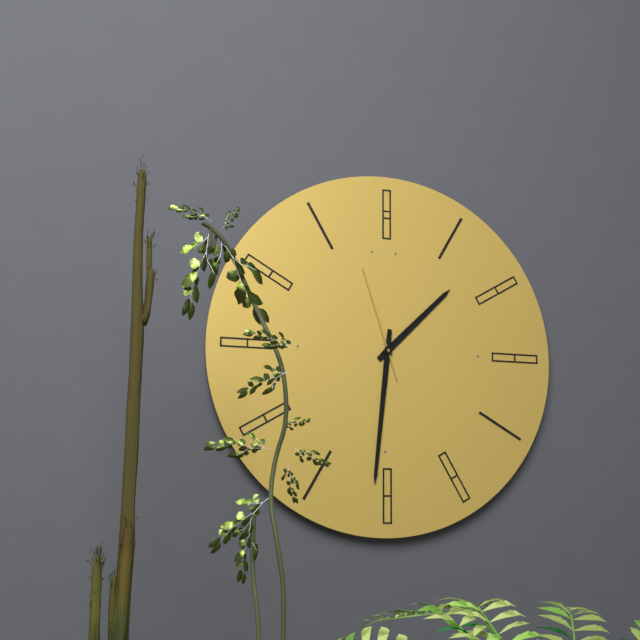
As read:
1,31,57
